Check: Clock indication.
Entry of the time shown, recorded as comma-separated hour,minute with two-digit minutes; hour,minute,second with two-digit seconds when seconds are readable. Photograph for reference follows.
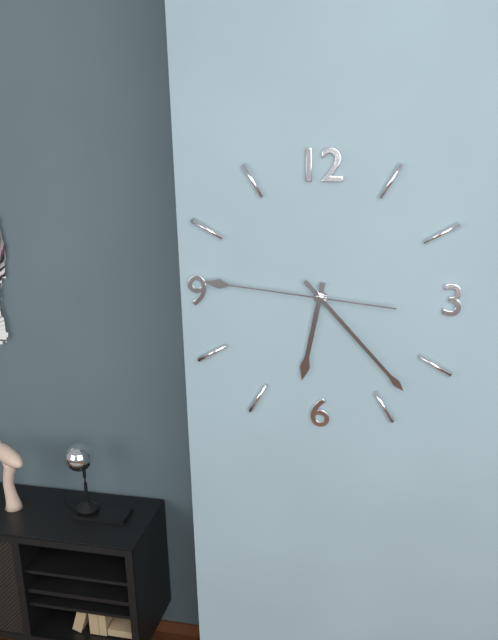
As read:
6,23,46
